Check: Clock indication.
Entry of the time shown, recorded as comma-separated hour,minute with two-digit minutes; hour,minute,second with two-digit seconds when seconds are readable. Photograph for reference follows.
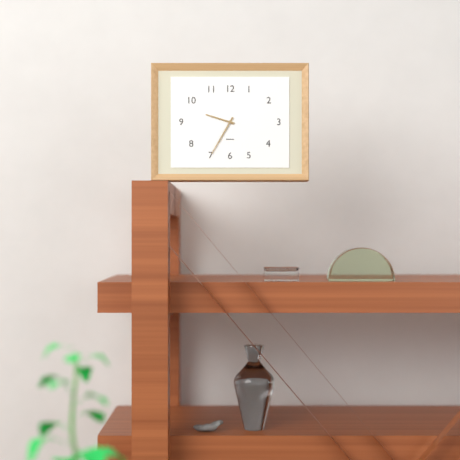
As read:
9,35
